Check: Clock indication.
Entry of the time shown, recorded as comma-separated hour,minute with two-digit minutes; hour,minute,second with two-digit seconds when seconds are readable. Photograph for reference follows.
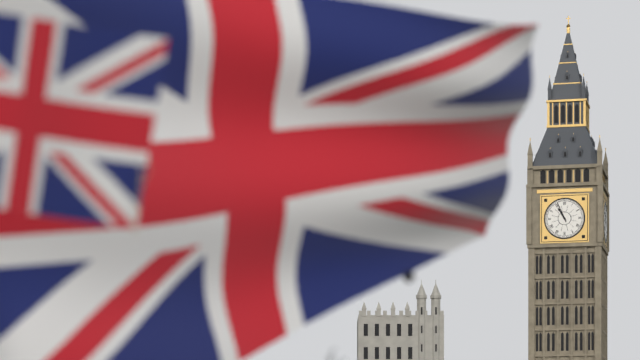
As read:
10,56
